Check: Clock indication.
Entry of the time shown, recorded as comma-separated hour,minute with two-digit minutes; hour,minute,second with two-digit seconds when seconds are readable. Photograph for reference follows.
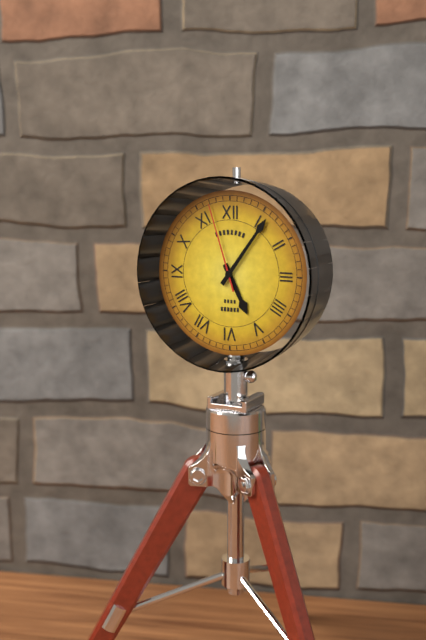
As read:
5,06,57
